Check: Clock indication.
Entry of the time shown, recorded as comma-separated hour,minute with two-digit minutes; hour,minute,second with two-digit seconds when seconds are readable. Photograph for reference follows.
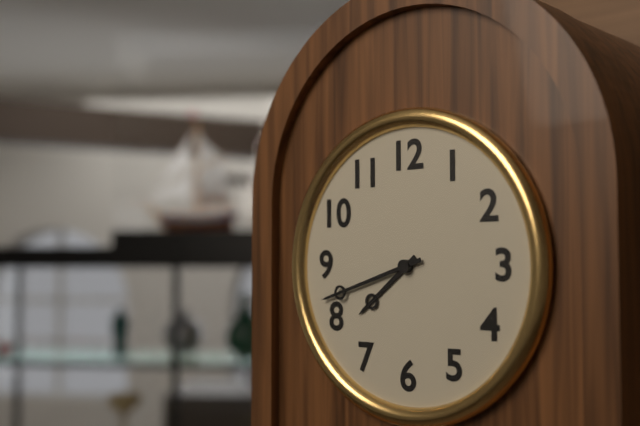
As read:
7,42
